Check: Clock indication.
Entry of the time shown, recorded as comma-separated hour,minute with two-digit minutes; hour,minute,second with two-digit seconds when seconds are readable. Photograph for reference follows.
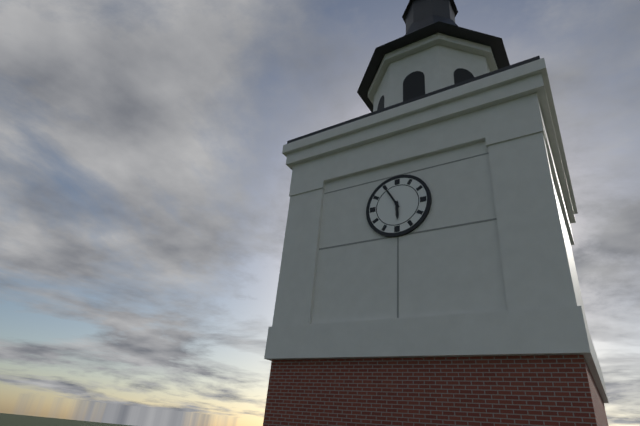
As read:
5,55
